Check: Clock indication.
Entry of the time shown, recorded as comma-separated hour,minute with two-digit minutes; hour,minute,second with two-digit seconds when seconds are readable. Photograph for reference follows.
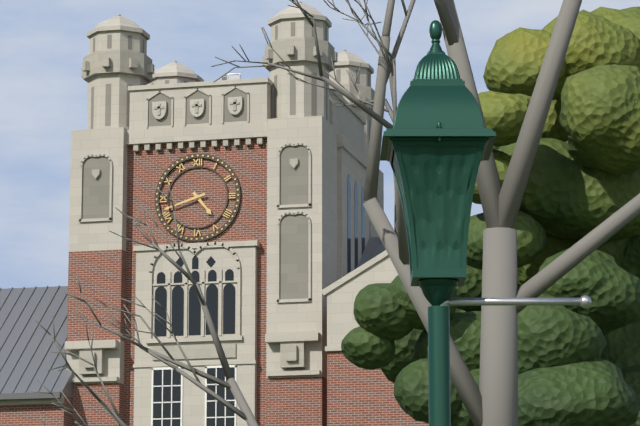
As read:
4,42
